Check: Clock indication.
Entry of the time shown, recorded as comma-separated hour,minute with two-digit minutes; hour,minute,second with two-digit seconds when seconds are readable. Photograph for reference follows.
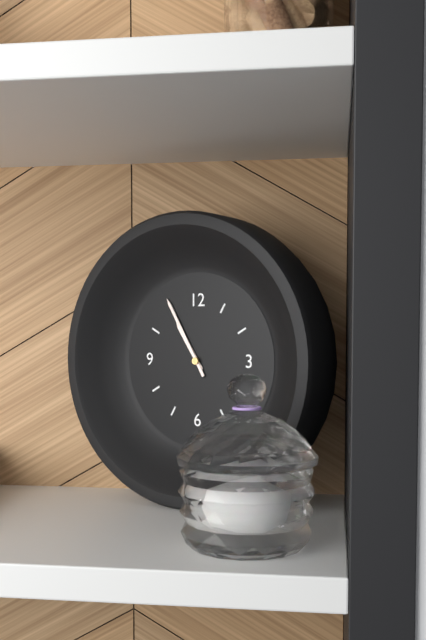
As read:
10,55
